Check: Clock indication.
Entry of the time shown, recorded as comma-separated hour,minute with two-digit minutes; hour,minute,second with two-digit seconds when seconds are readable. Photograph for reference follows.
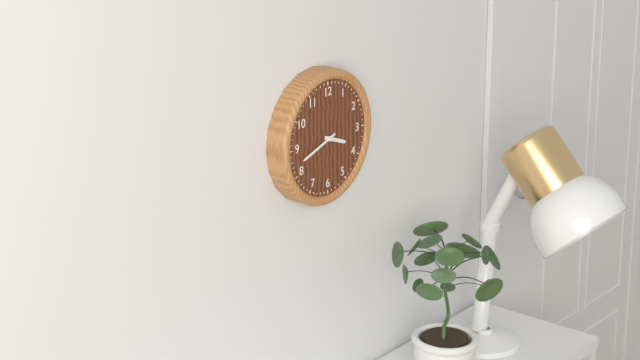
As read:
3,42
